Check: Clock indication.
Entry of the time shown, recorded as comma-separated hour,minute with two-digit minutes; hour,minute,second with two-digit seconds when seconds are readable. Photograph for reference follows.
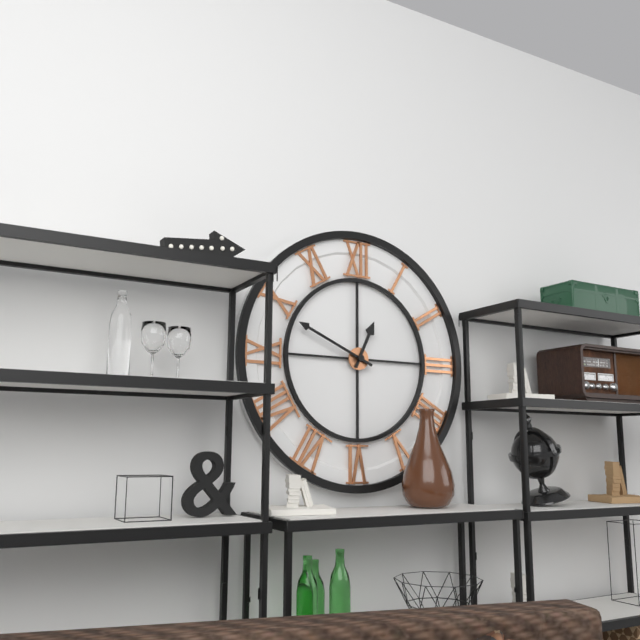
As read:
12,49
